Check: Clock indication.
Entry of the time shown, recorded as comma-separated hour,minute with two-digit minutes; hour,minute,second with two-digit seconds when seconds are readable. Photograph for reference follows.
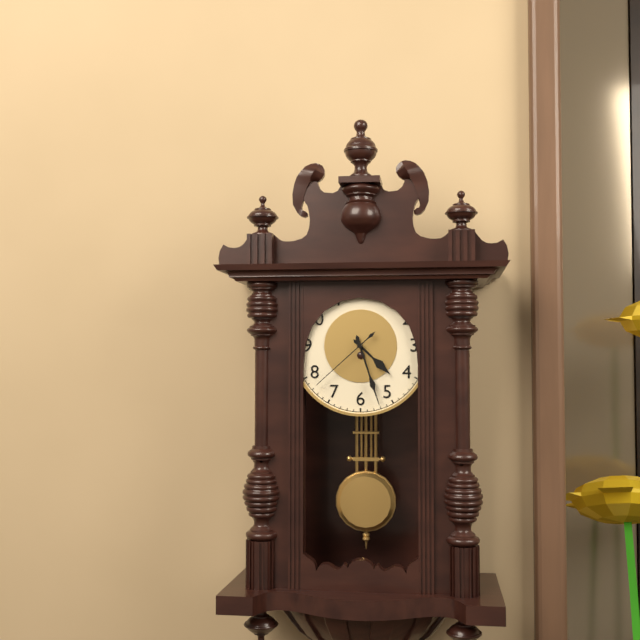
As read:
4,27,38
